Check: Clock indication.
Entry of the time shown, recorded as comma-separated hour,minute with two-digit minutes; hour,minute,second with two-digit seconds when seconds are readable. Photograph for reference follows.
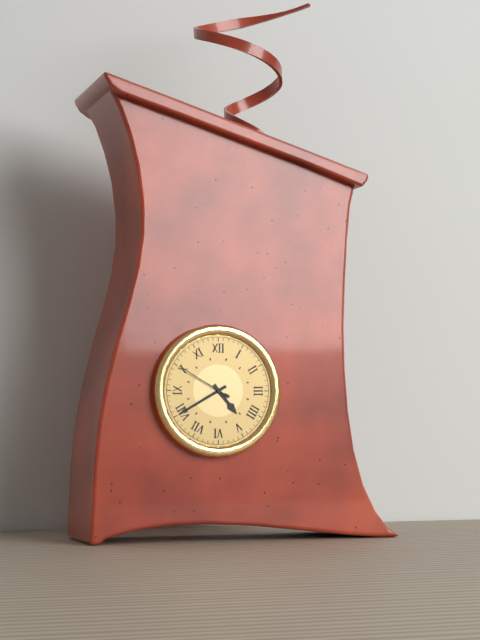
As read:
4,40,50
